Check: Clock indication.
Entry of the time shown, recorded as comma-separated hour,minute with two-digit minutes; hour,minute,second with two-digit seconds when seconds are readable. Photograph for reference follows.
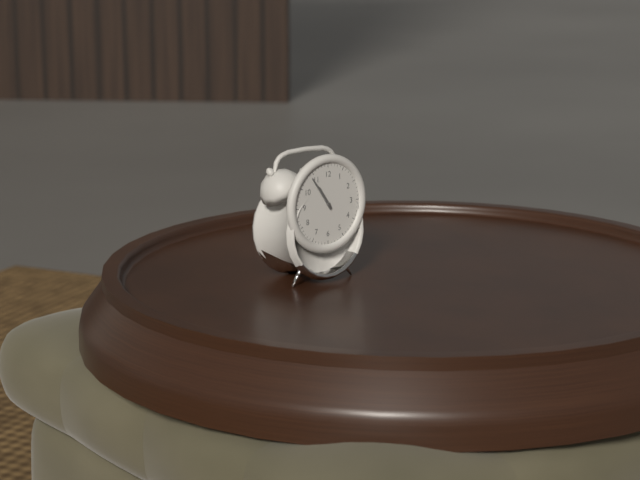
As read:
10,54
